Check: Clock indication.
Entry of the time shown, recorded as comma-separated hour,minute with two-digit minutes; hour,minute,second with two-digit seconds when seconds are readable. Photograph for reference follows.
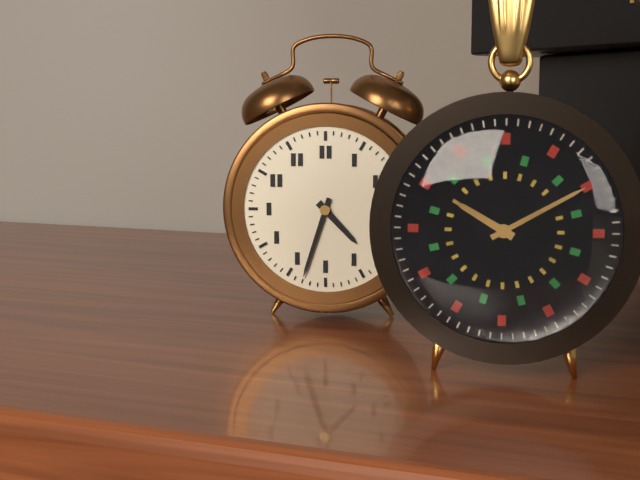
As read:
4,33
